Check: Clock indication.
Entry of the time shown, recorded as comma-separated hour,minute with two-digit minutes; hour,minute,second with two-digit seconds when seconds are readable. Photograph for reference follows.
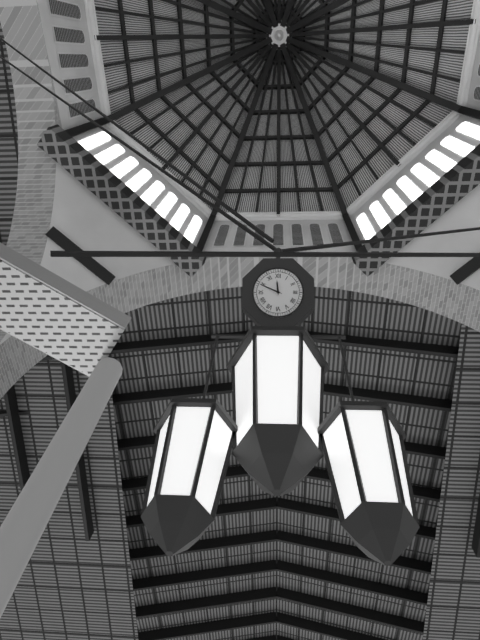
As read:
11,49
